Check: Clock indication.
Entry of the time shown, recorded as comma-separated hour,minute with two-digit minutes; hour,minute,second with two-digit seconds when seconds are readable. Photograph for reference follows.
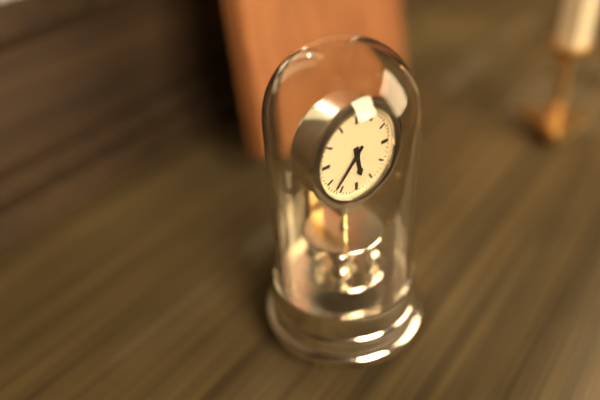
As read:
5,37
